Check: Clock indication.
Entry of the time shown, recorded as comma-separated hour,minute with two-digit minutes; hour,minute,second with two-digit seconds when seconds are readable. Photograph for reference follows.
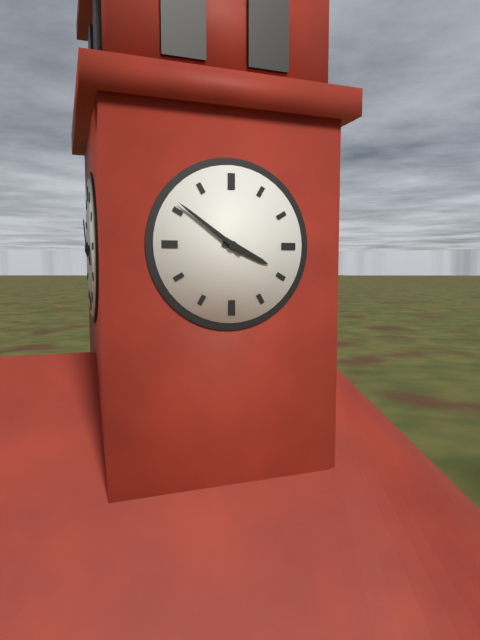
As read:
3,51
